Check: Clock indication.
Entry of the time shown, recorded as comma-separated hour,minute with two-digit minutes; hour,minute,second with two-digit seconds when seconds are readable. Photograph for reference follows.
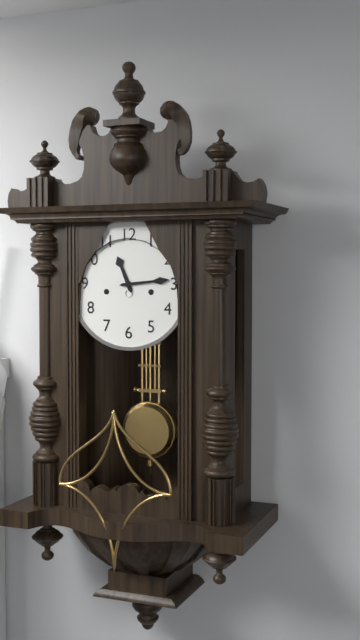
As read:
11,14
